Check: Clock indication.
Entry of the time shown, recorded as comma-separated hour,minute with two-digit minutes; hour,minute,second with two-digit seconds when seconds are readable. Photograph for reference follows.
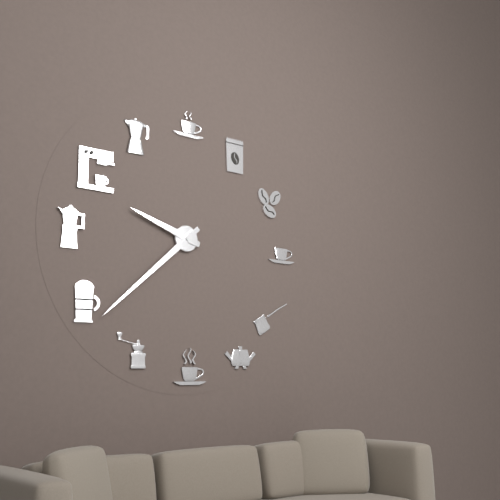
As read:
9,38
